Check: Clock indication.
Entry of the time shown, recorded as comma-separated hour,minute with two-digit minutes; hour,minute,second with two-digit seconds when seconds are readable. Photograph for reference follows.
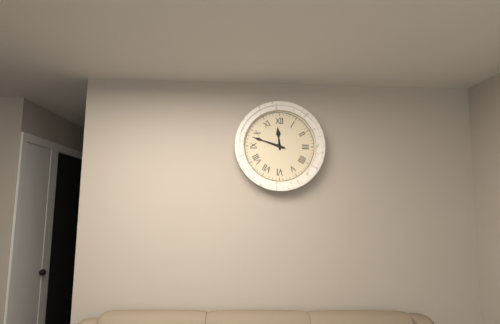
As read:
11,48
